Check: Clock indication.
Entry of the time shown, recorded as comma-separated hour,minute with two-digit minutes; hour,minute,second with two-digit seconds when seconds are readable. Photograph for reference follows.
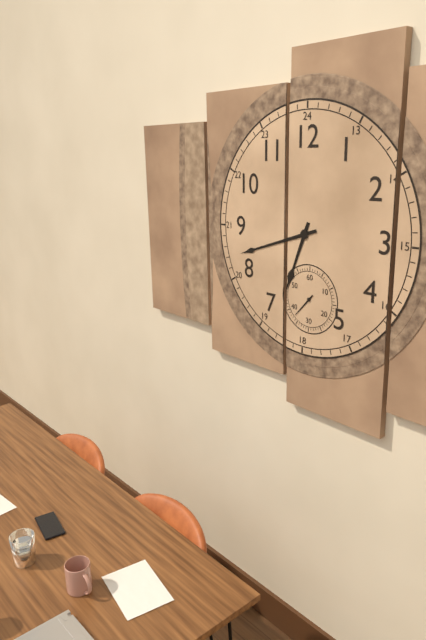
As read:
6,42
